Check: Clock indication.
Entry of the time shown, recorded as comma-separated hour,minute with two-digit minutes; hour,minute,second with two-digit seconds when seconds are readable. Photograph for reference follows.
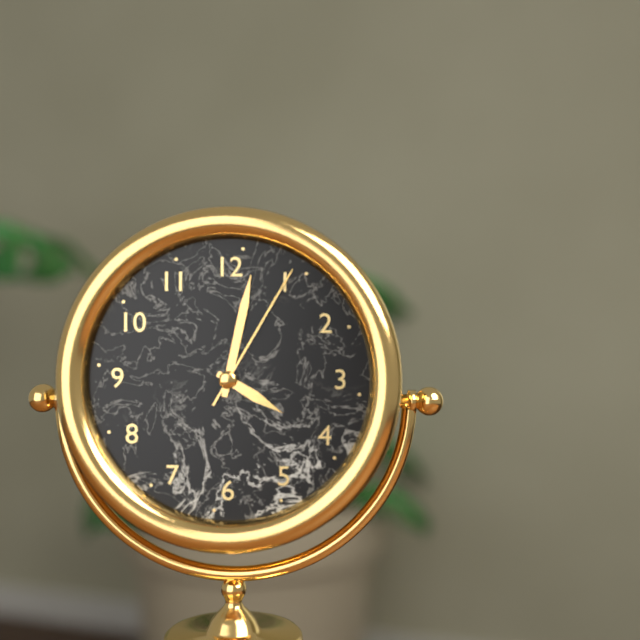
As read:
4,02,05
